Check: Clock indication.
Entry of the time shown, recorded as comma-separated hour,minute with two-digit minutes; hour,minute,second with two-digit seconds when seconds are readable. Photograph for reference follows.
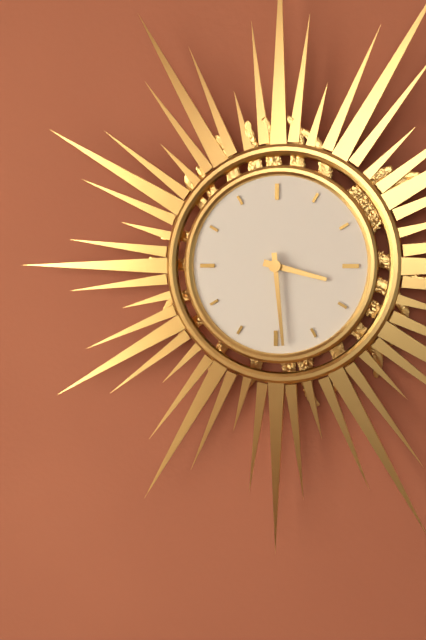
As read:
3,29
